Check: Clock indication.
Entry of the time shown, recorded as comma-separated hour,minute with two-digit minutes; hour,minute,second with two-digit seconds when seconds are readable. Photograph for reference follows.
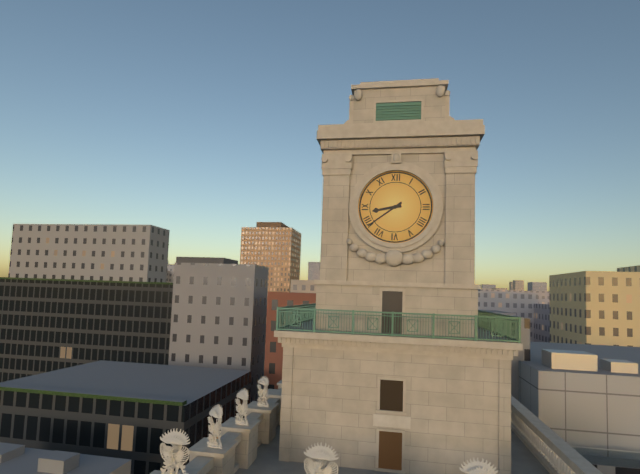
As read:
8,39
